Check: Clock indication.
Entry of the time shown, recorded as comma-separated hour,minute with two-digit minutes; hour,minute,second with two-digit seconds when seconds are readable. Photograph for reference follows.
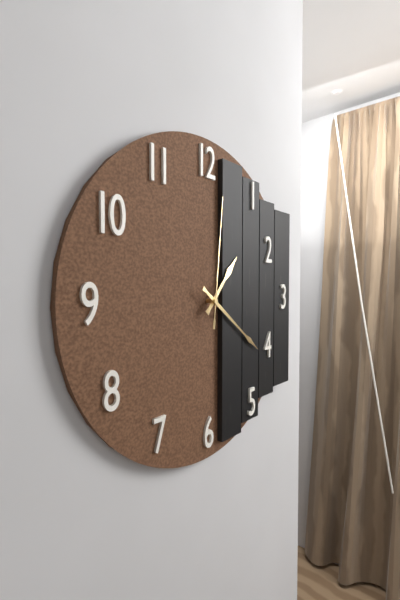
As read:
1,21,01
